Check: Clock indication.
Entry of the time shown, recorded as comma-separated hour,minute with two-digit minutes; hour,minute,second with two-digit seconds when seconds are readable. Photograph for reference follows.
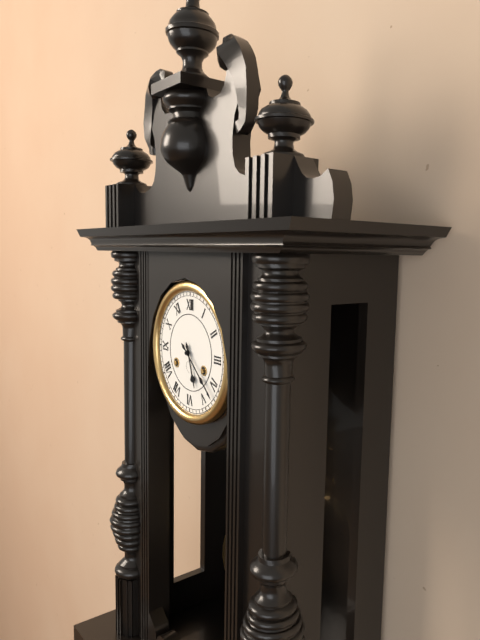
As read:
5,22
